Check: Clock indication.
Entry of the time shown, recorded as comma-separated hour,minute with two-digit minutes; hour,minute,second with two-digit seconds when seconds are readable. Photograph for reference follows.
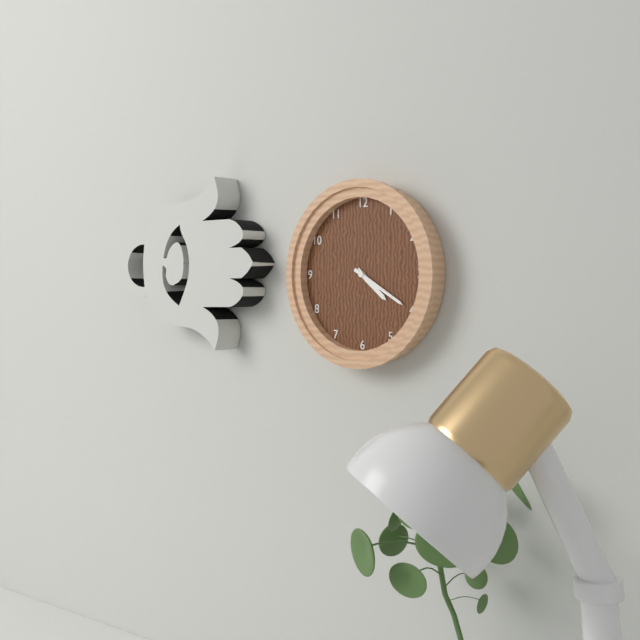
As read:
4,20
